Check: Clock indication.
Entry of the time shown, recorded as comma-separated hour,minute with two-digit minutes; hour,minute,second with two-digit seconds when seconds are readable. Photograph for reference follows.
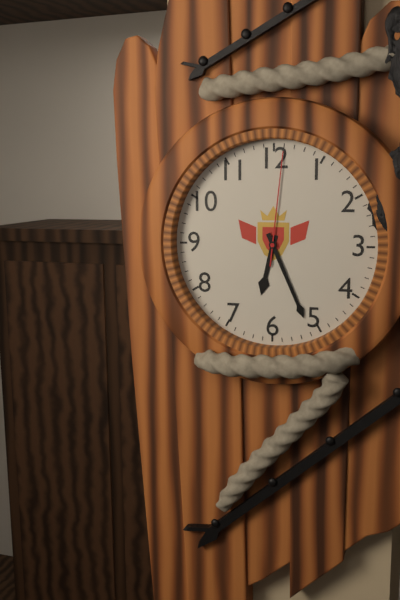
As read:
6,26,01
